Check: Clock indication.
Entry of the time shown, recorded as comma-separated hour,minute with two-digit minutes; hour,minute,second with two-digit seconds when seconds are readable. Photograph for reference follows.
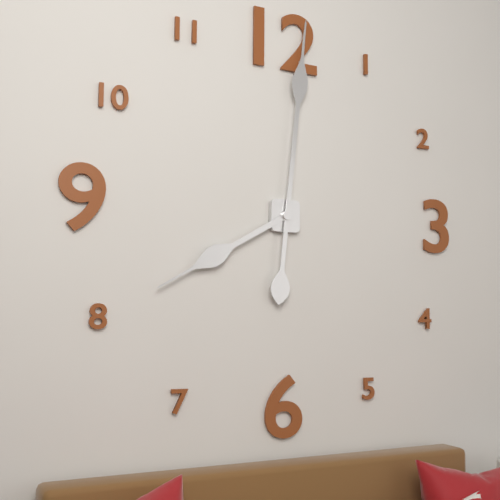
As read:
8,01
